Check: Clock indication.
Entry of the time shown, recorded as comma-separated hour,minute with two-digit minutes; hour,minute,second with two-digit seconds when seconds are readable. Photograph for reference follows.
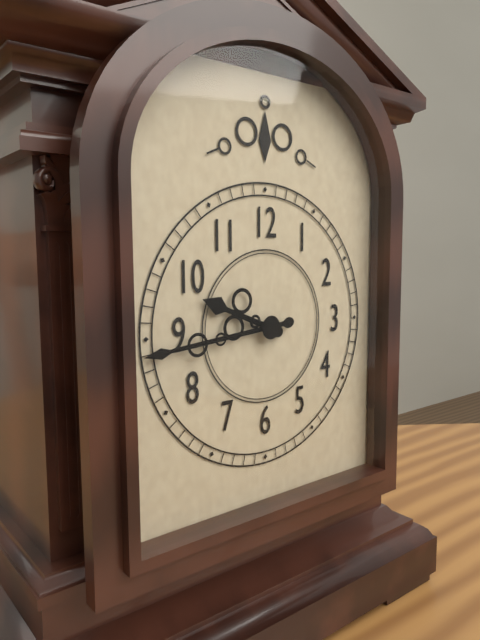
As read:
9,44
